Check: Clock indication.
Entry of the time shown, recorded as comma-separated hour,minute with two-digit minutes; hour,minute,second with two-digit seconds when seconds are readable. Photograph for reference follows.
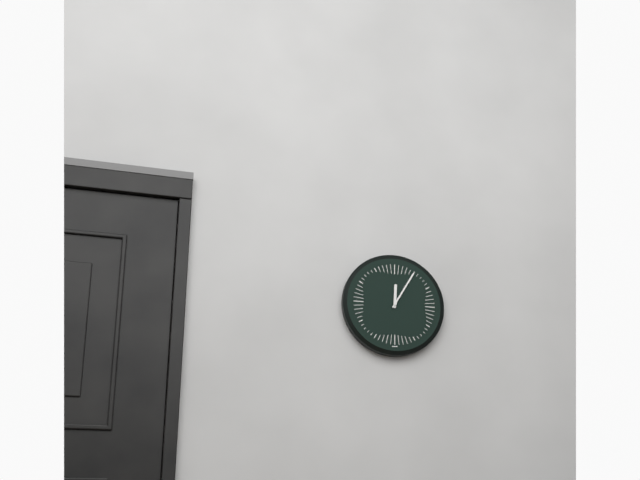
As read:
12,05
